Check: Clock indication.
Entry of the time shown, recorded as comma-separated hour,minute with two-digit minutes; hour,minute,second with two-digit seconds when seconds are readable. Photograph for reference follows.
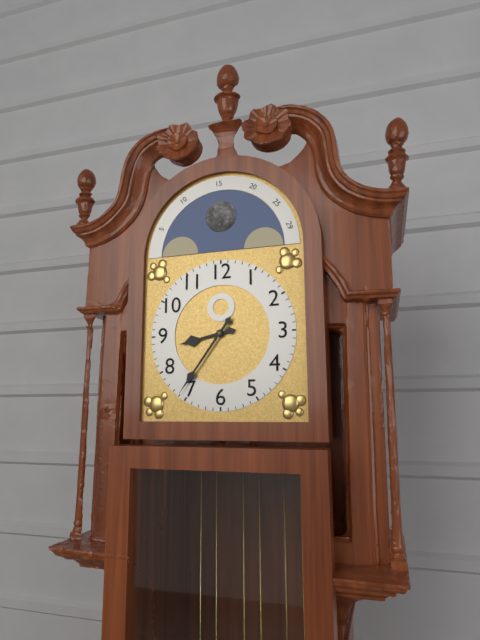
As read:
8,36
